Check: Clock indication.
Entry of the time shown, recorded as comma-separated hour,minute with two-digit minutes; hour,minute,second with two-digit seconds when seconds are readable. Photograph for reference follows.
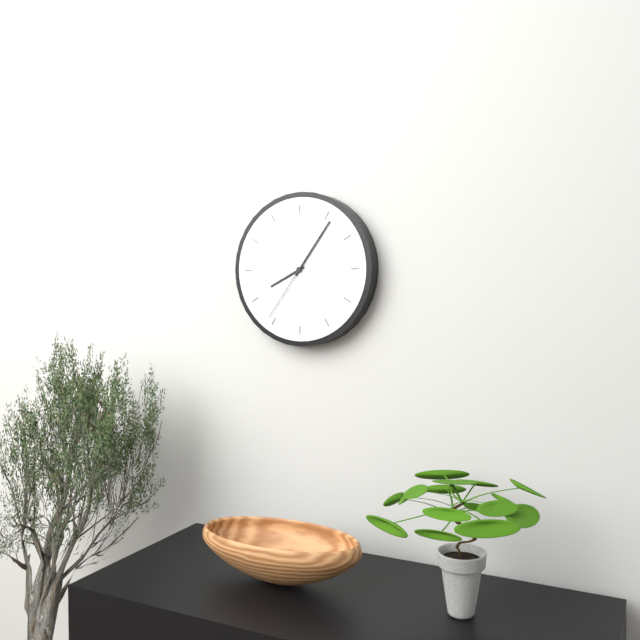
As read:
8,06,36
